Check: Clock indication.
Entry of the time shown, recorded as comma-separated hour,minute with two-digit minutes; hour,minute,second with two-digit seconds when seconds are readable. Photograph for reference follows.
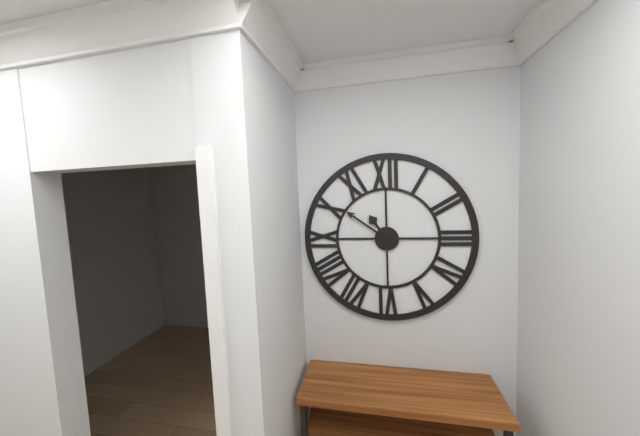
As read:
10,51
